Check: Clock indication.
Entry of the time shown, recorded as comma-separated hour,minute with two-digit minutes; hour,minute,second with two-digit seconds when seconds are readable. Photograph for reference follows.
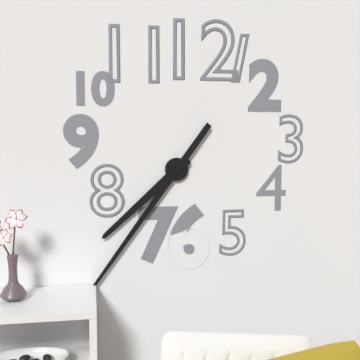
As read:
7,36
